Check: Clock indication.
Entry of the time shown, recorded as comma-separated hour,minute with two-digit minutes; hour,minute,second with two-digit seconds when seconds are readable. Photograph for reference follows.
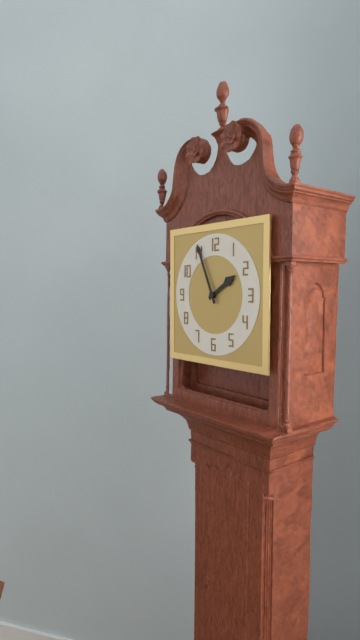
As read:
1,56
